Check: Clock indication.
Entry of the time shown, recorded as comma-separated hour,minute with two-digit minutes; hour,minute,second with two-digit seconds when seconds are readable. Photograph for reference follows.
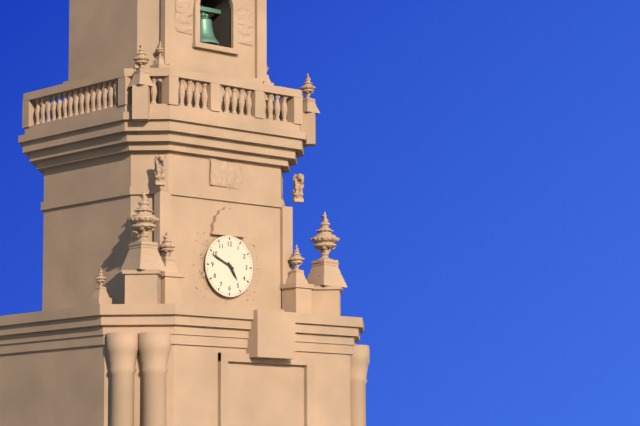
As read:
4,49
